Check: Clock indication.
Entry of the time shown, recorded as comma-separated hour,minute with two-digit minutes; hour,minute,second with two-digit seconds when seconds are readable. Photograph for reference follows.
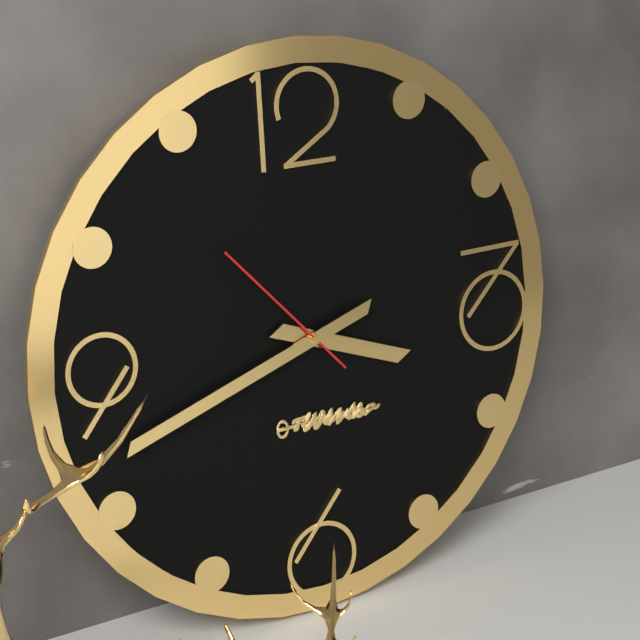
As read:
3,42,53
